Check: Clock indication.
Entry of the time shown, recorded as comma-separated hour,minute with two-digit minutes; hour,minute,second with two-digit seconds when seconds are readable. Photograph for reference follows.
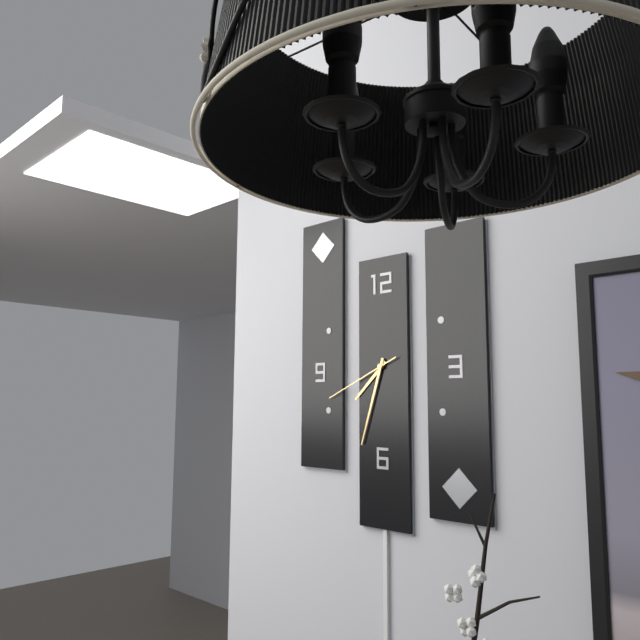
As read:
7,33,41
